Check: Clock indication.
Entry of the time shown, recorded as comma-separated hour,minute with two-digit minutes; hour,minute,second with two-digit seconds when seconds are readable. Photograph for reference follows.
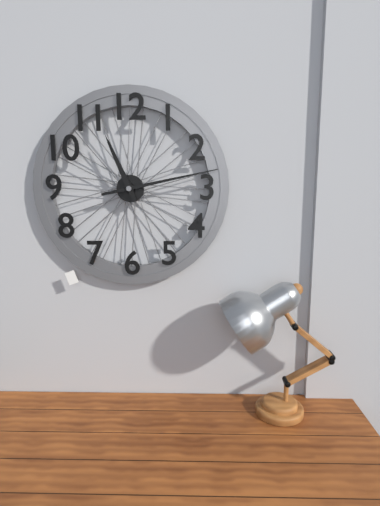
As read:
11,13
